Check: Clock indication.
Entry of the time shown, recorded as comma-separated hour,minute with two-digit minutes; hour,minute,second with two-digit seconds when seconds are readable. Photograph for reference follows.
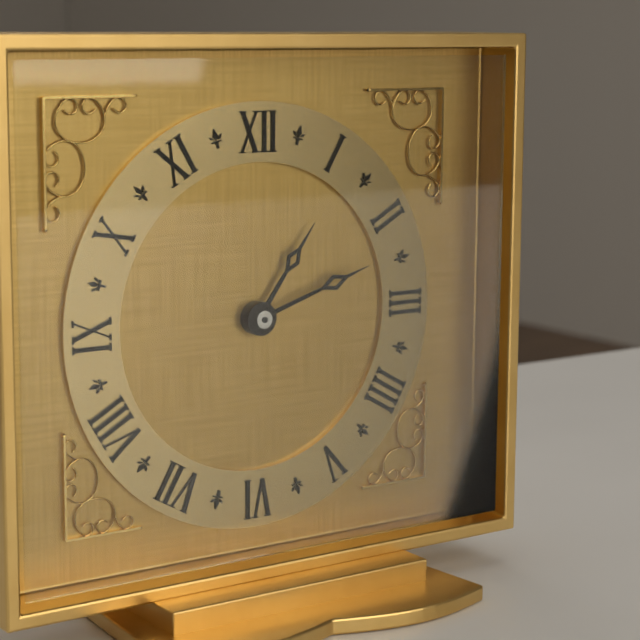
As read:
1,12
